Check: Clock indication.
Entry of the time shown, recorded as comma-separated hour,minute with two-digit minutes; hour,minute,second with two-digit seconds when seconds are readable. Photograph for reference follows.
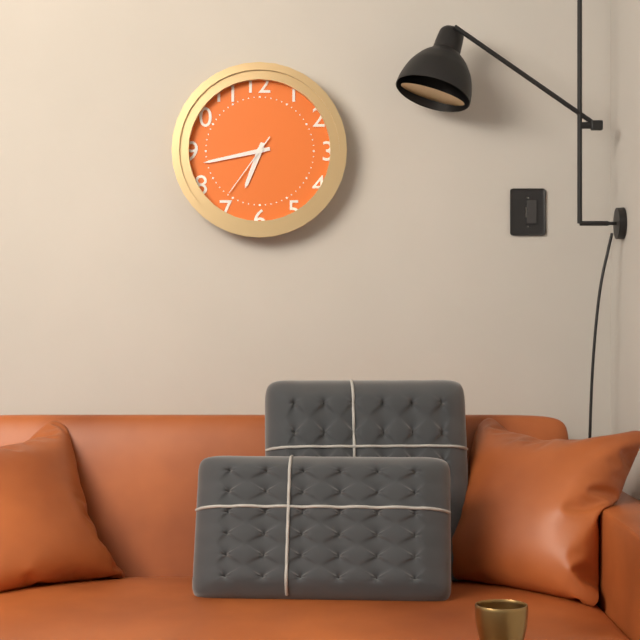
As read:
6,43,36
